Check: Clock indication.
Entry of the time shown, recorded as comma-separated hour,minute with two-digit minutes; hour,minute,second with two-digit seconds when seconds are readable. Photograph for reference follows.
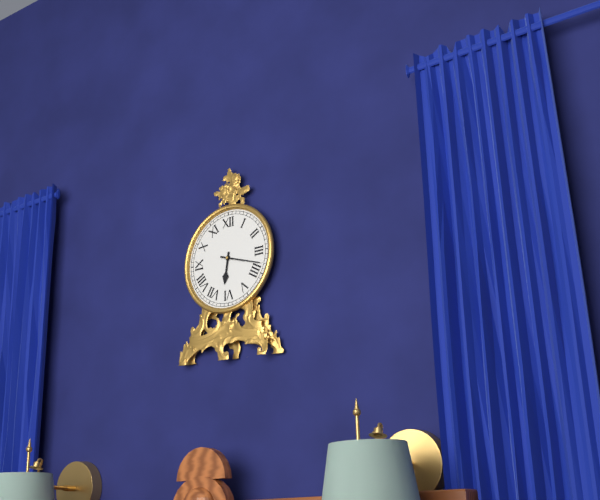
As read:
6,18
